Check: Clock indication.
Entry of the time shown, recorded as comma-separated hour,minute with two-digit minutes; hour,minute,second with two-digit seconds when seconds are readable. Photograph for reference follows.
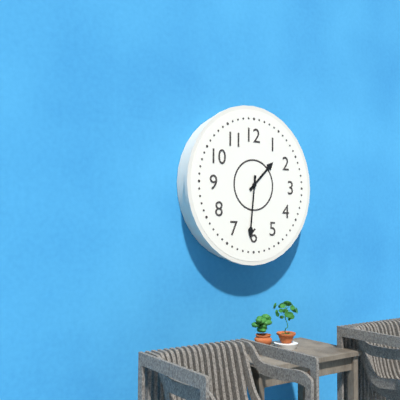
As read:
1,31
